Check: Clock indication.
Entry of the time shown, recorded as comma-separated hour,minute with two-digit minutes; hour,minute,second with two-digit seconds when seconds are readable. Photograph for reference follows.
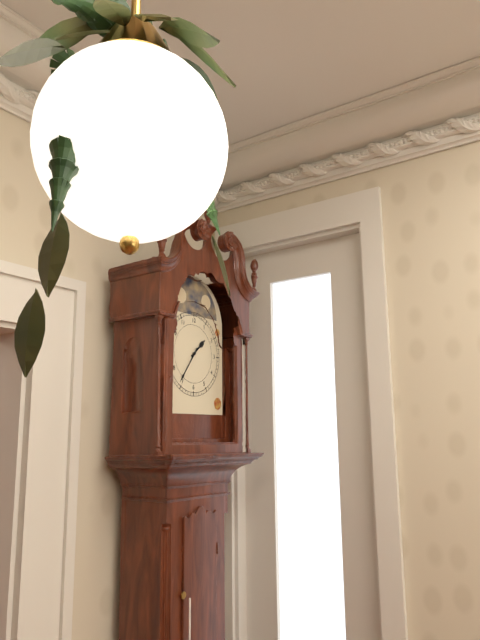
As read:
1,36
